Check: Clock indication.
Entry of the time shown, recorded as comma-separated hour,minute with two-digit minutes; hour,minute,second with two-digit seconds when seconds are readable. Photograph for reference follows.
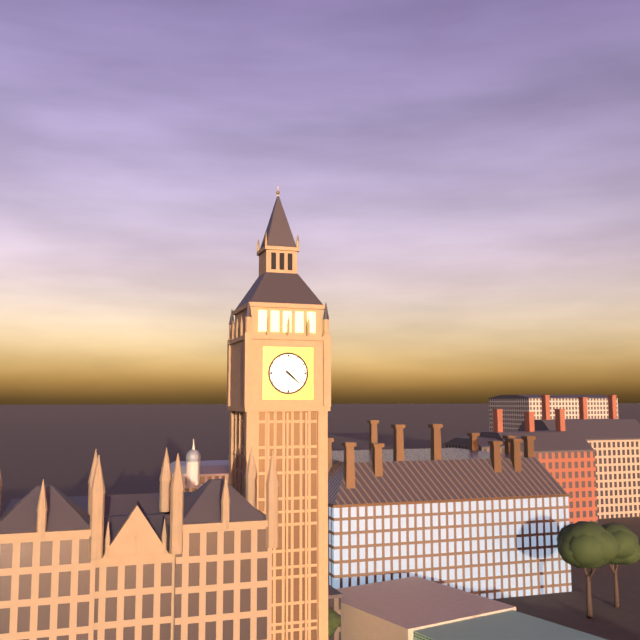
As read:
4,22
